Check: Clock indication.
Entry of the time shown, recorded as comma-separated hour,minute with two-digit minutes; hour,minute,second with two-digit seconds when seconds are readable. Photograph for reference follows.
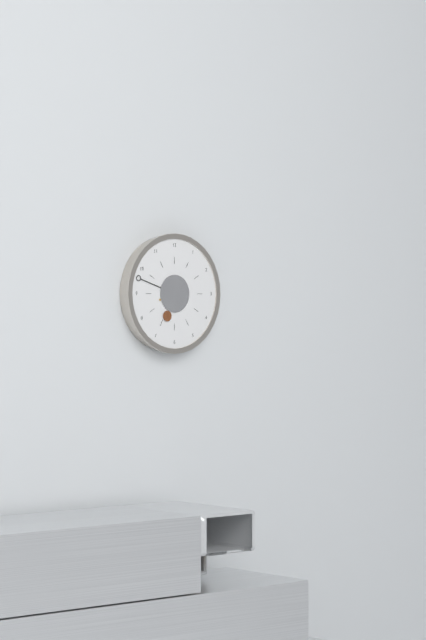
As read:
6,48
